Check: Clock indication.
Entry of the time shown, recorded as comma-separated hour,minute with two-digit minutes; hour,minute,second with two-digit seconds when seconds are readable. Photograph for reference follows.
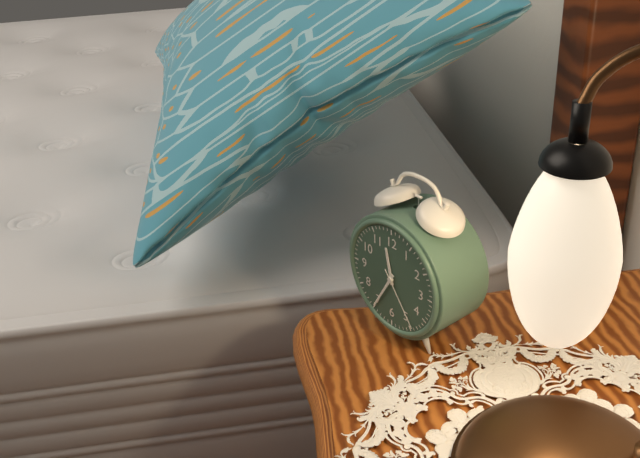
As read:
11,35,24
